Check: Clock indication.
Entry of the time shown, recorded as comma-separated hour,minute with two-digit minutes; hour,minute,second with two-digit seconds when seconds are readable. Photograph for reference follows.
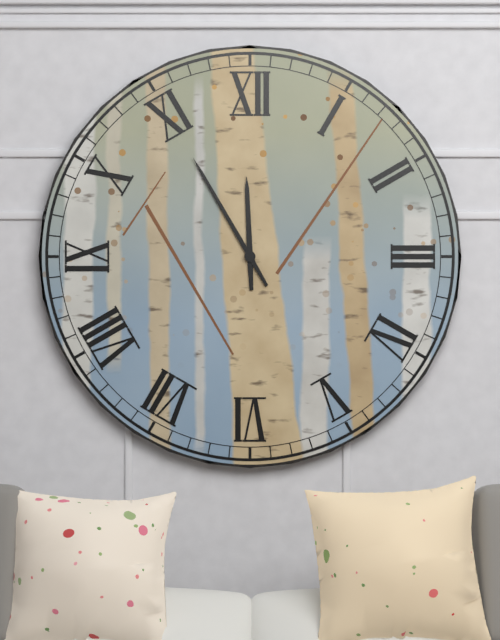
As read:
11,55
